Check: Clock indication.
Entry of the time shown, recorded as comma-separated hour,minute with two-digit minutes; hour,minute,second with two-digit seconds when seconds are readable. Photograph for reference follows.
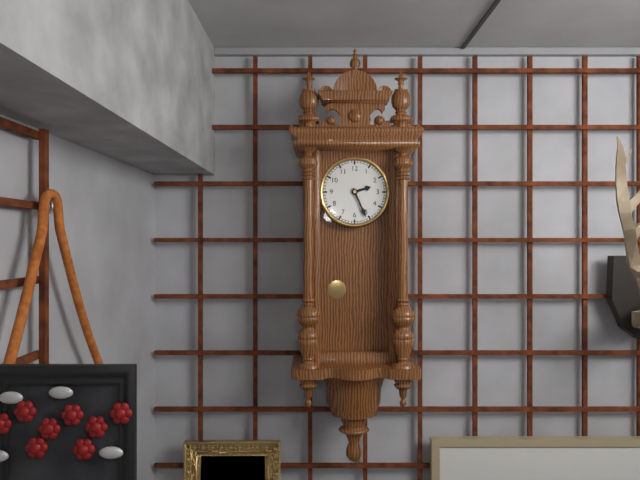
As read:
2,26
